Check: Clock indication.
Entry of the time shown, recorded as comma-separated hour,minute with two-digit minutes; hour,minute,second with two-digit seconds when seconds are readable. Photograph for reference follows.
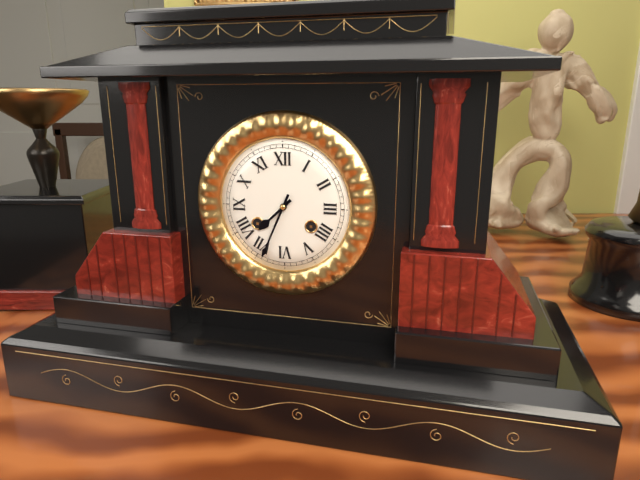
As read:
7,34
